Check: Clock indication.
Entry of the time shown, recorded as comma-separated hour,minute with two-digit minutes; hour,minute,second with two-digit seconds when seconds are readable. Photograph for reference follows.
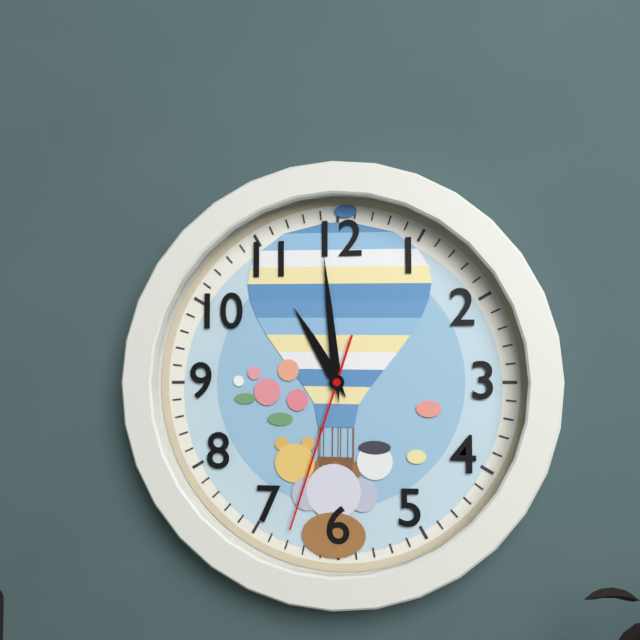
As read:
10,59,33
